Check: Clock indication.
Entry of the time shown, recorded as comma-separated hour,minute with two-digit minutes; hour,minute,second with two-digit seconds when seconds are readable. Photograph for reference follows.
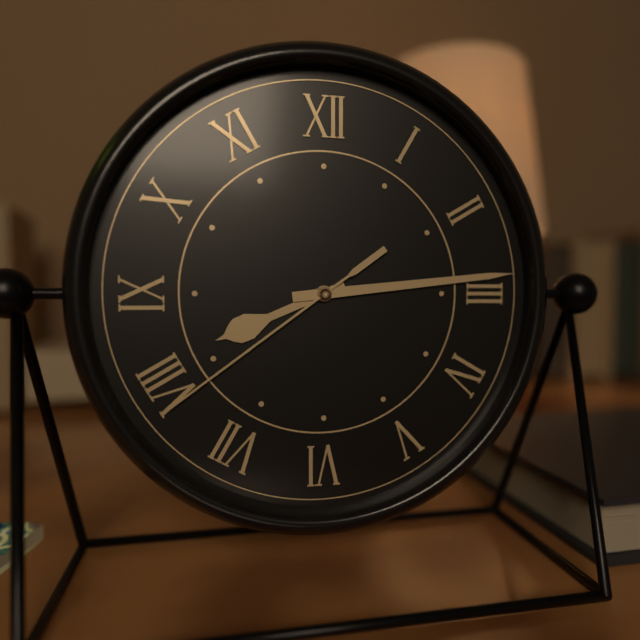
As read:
8,14,39
